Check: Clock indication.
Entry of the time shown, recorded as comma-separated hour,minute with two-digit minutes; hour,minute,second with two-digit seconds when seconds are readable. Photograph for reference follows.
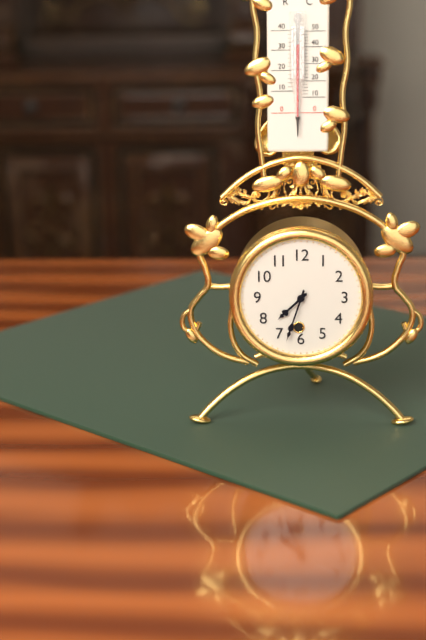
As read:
7,33
